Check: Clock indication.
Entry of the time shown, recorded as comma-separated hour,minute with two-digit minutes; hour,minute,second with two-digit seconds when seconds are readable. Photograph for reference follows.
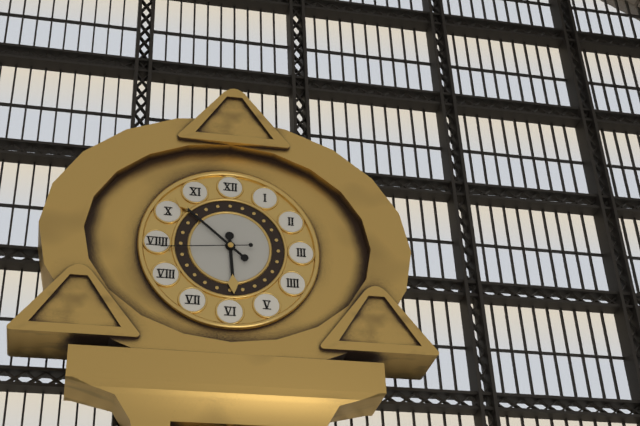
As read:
5,52,44
